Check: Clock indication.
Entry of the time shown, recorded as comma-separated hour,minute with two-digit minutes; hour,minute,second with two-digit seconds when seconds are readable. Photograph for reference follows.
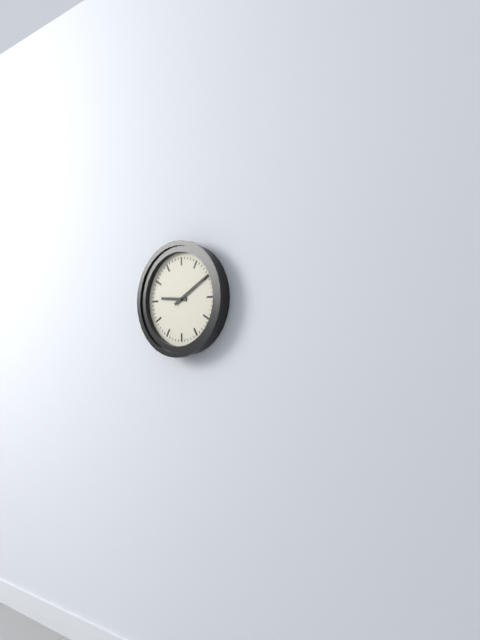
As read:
9,10
